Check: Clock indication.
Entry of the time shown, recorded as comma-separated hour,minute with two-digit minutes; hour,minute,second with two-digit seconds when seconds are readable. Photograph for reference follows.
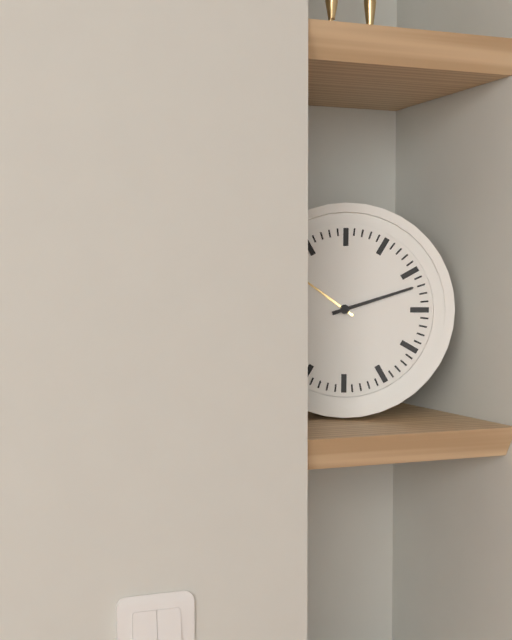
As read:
10,12
